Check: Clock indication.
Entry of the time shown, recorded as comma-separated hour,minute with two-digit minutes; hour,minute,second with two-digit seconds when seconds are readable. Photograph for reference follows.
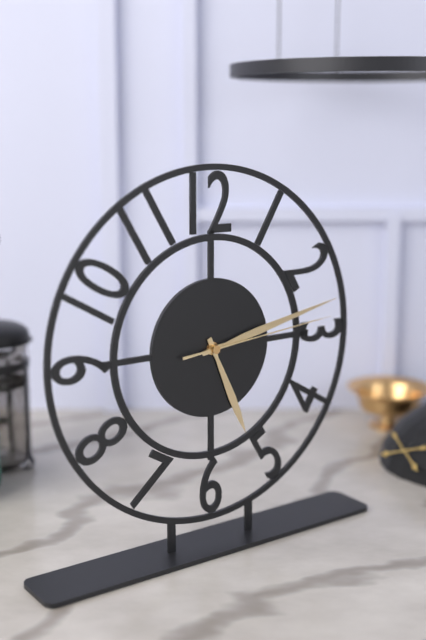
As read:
5,13,14
